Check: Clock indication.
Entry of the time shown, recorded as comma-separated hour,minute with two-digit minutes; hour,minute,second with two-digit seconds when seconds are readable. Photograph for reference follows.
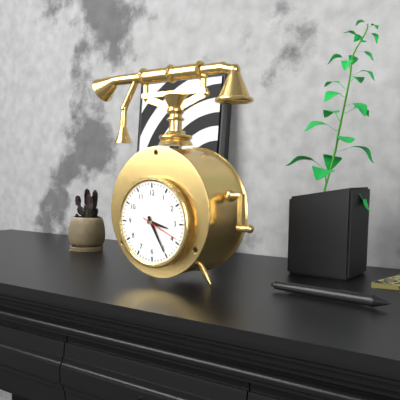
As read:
3,25
